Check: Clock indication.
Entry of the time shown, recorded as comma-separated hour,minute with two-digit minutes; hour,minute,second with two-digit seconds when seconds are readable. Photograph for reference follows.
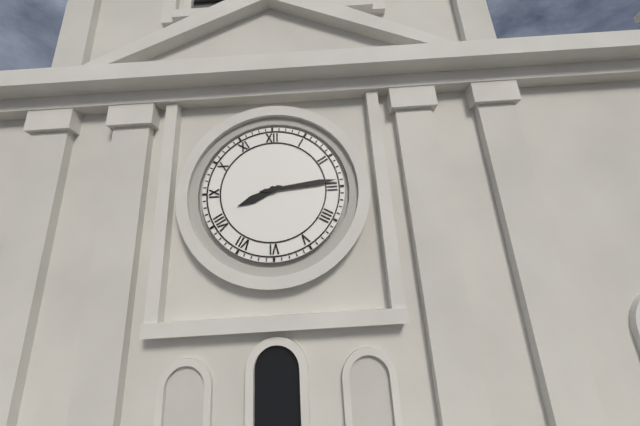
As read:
8,14
